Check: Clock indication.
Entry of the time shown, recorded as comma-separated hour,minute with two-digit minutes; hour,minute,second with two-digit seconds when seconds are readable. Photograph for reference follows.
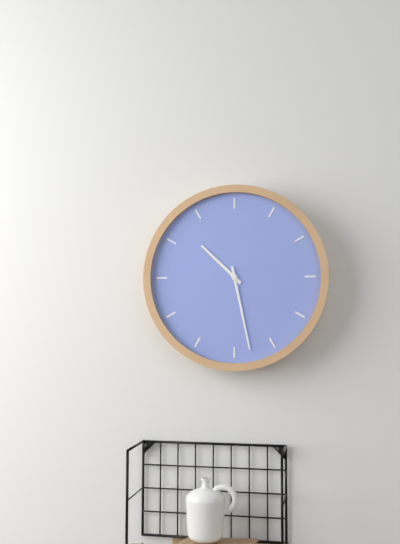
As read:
10,28
